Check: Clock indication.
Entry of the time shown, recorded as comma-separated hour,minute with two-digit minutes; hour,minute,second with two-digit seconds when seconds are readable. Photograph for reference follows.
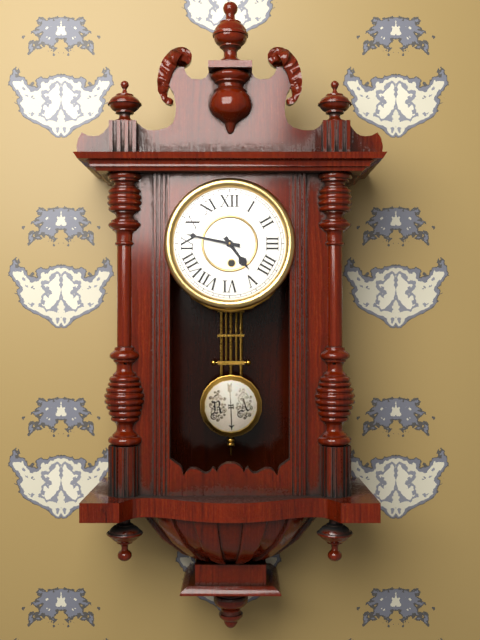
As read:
4,47
